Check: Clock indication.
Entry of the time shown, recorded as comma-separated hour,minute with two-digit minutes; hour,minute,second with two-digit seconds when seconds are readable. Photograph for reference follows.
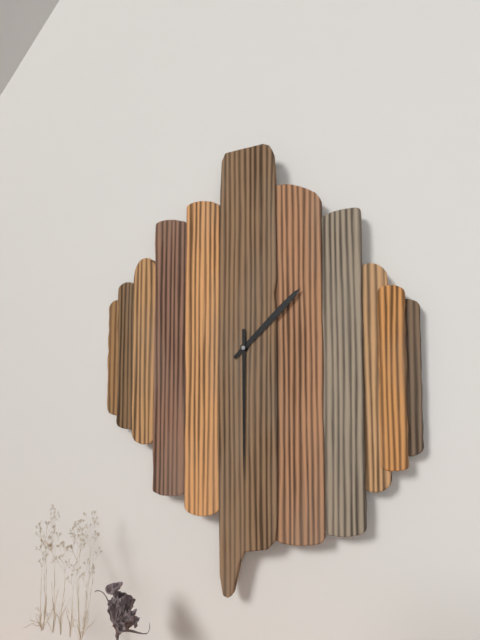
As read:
1,30
